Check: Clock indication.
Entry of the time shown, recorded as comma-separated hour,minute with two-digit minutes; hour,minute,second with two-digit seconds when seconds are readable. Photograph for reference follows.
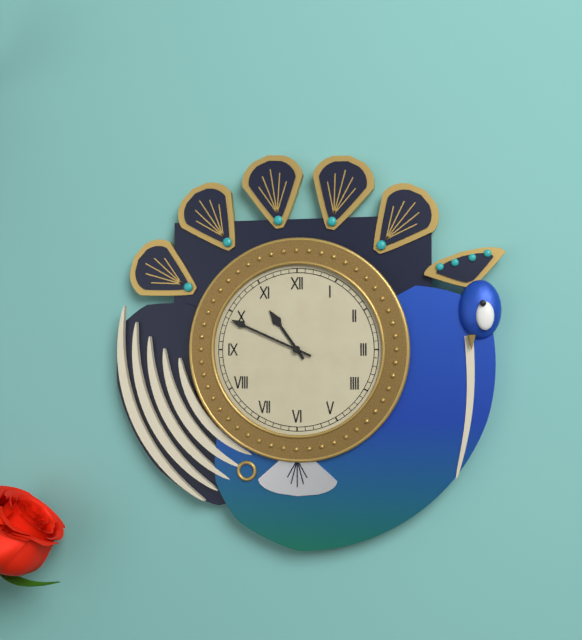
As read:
10,49
